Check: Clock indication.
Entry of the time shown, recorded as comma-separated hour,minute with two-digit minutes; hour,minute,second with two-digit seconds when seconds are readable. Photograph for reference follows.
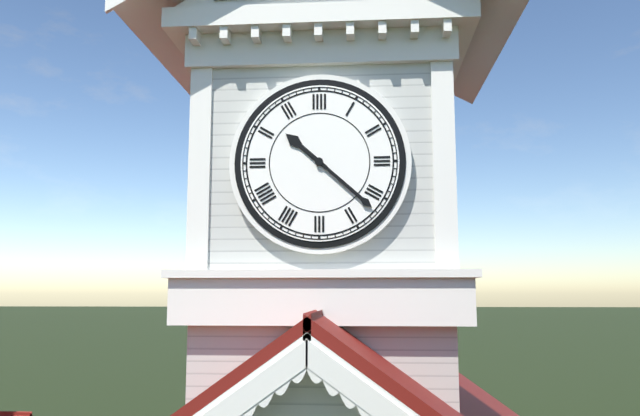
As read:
10,22
